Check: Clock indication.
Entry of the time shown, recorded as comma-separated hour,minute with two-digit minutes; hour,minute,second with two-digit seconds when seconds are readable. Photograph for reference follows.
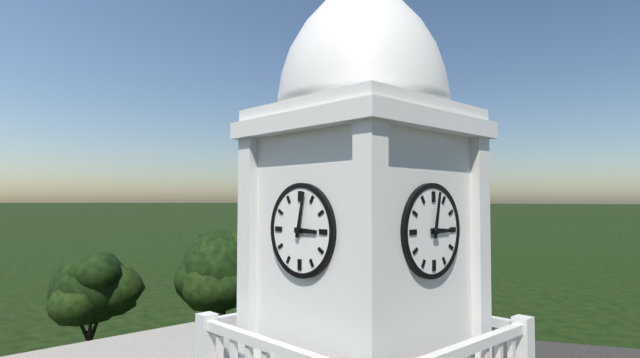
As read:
3,02
